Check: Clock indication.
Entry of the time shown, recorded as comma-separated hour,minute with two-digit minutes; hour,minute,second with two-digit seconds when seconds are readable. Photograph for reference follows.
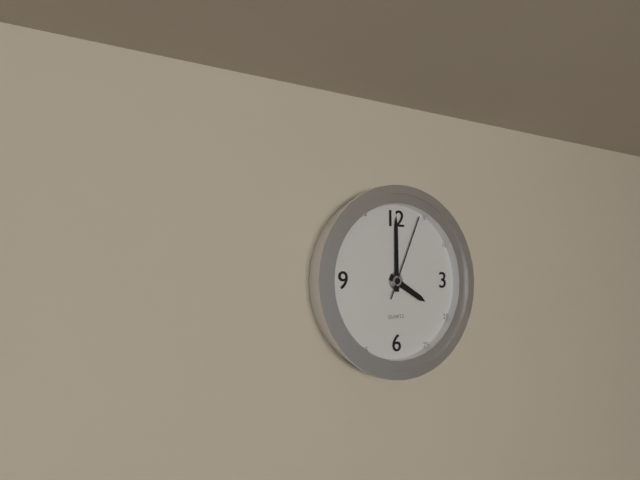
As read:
4,00,04
